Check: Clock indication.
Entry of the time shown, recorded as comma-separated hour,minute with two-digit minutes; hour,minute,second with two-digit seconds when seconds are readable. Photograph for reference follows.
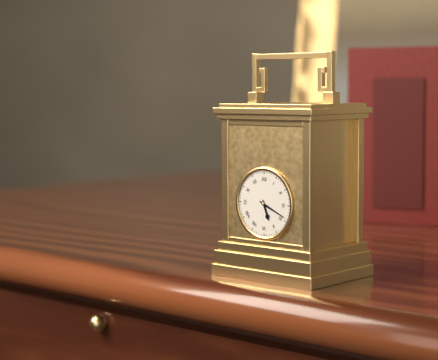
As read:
5,19
